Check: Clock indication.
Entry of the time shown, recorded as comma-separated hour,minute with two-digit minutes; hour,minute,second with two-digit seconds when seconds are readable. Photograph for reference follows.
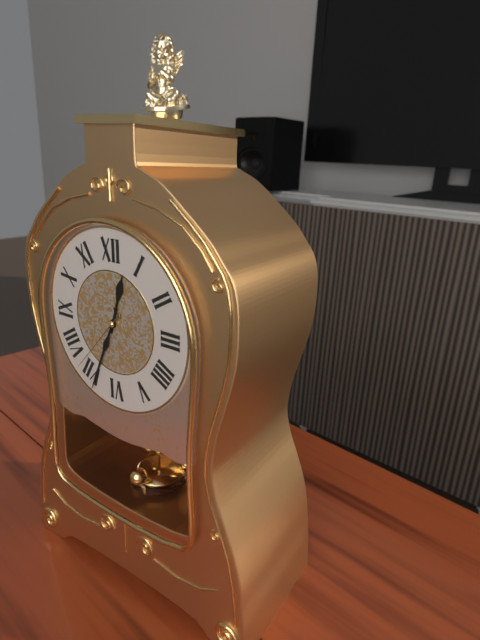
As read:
12,34,37
